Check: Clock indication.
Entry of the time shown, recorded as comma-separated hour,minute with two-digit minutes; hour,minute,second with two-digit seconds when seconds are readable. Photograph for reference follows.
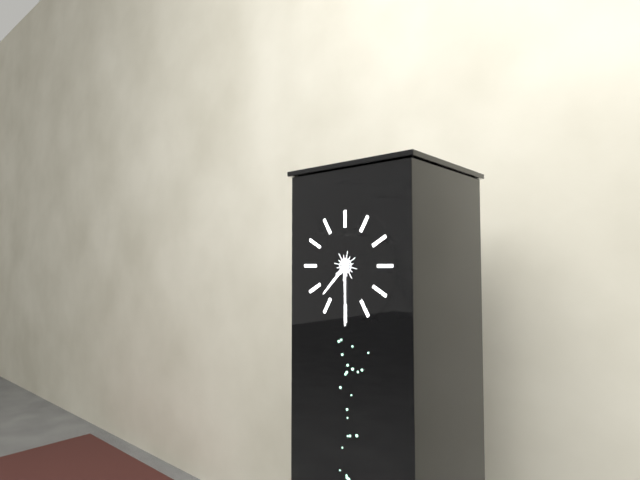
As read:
7,30
